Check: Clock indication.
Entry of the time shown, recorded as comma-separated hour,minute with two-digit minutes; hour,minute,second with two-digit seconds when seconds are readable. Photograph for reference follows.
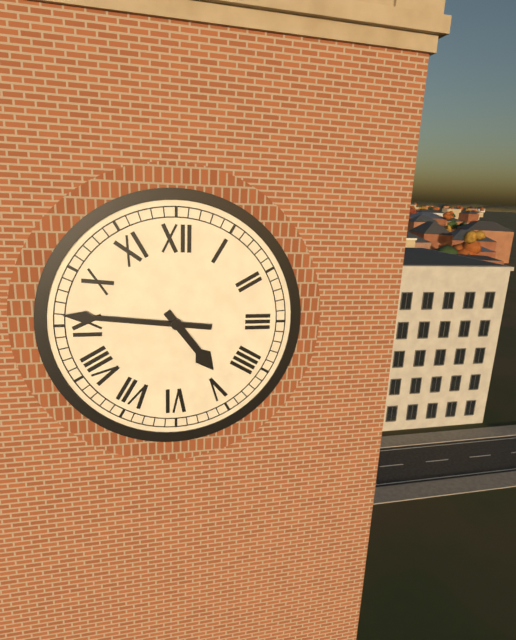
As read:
4,46
